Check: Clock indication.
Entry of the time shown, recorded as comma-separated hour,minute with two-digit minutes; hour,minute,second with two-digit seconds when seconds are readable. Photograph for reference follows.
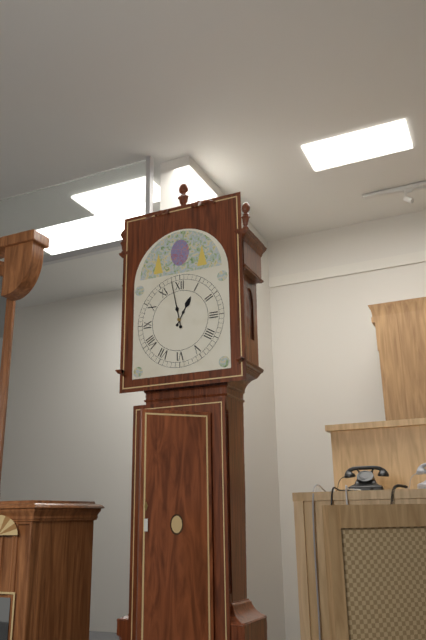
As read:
12,58
